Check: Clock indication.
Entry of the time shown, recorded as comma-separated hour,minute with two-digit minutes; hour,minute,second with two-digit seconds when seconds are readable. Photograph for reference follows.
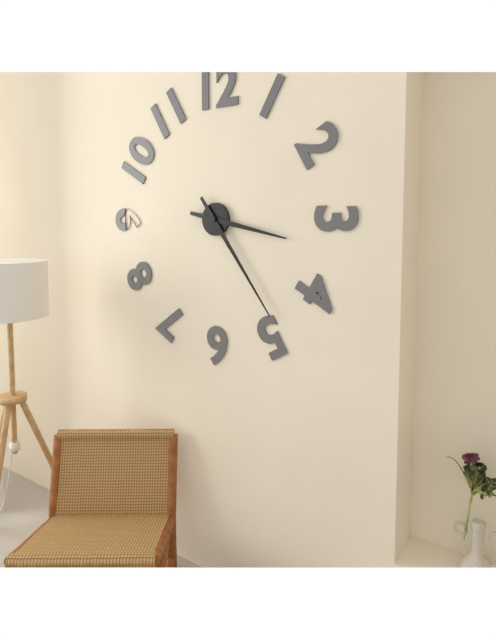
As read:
3,24
